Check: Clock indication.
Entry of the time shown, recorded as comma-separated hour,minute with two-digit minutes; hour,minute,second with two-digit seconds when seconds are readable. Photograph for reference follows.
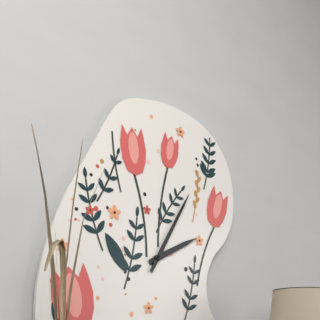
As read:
2,05
